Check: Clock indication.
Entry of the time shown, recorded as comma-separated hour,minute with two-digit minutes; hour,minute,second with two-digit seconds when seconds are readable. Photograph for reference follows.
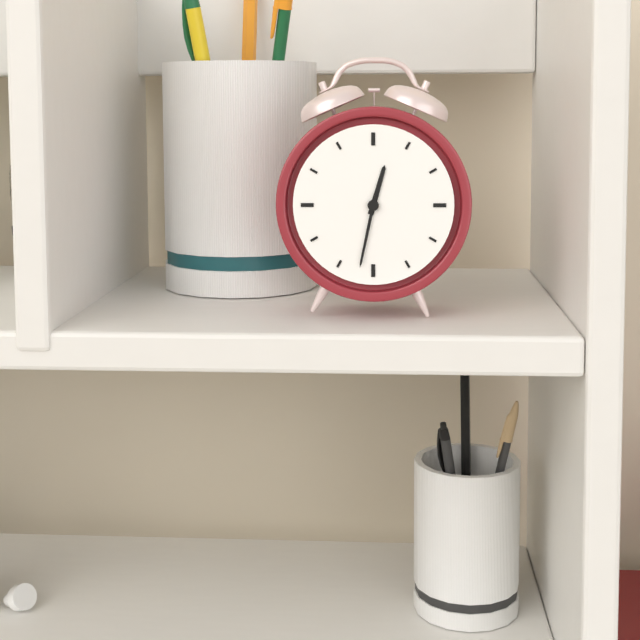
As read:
12,32
